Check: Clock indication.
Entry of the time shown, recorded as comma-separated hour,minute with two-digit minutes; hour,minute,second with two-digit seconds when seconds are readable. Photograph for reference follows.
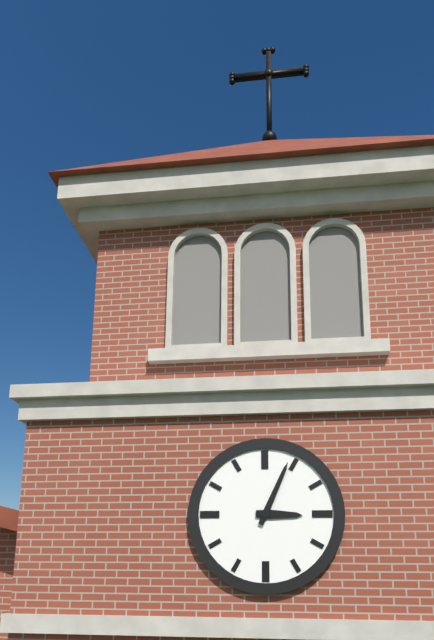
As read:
3,04
